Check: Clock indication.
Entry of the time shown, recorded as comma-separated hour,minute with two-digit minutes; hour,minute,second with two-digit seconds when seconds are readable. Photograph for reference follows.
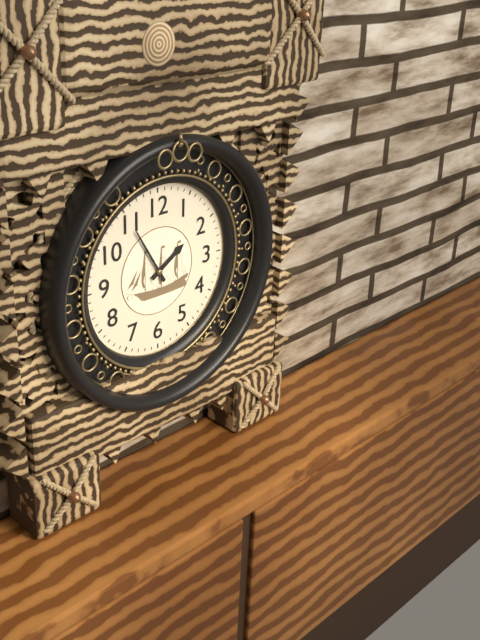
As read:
1,55
